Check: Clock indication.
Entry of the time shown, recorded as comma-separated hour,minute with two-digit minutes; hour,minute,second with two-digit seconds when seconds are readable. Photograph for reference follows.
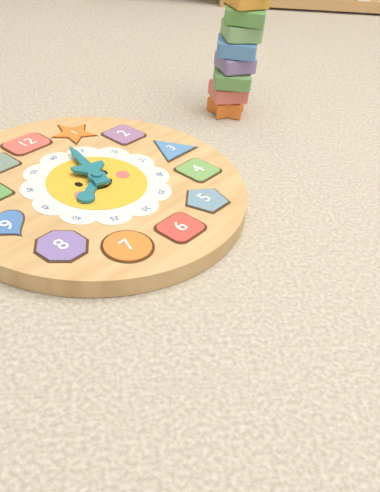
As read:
8,03
